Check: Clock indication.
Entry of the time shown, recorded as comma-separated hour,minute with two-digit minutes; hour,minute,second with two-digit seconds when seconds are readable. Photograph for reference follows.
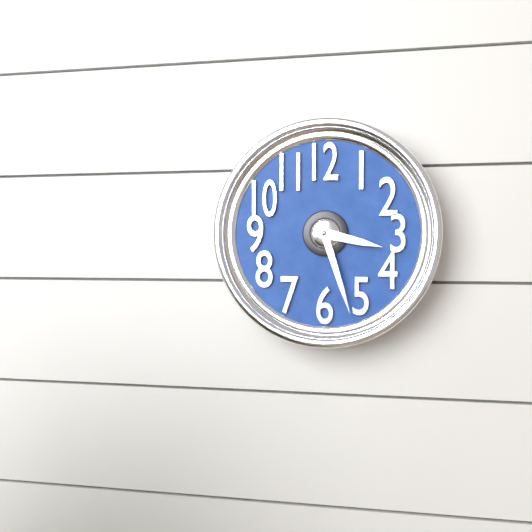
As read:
3,27
